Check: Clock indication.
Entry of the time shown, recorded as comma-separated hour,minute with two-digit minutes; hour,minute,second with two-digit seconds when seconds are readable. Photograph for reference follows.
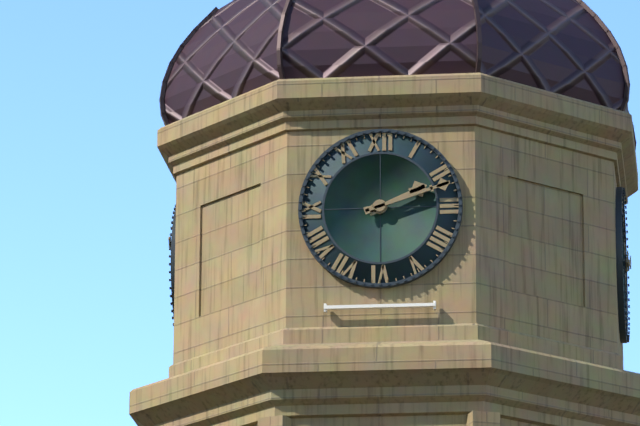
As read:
2,12
